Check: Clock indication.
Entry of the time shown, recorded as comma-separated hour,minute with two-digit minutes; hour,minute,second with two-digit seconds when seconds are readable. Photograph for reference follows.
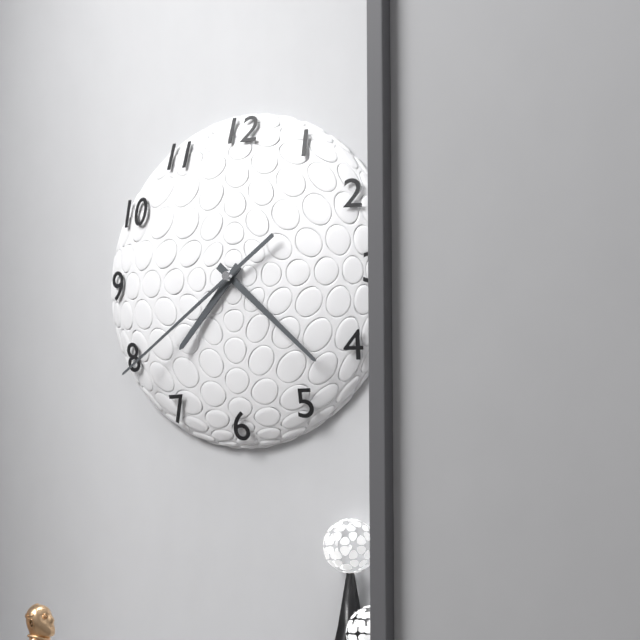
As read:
7,22,39
